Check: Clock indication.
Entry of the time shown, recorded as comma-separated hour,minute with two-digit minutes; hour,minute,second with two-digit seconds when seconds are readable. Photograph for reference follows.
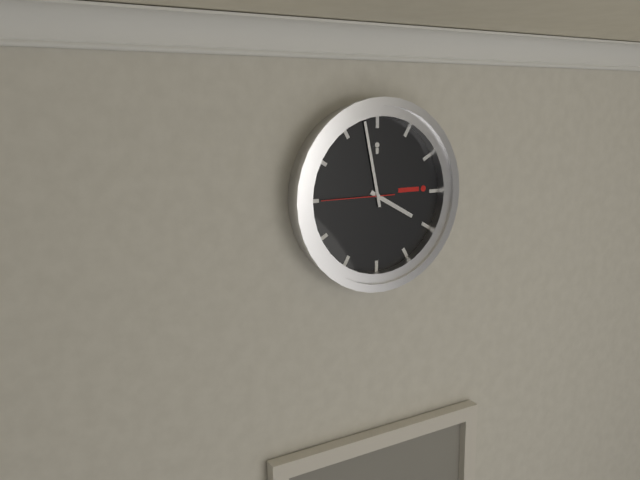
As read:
3,58,45
